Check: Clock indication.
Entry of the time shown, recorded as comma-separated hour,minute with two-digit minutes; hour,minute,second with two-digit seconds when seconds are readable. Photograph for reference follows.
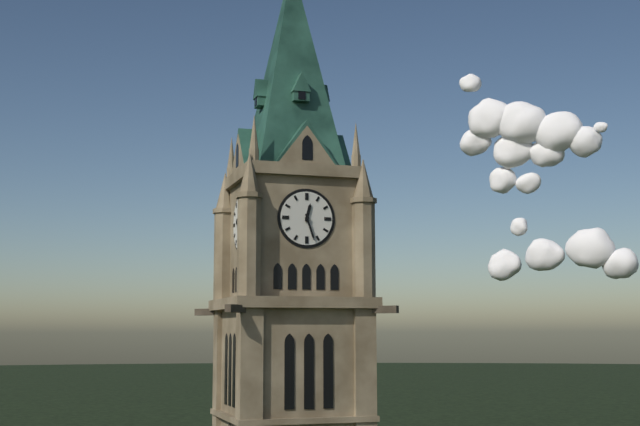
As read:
12,27
